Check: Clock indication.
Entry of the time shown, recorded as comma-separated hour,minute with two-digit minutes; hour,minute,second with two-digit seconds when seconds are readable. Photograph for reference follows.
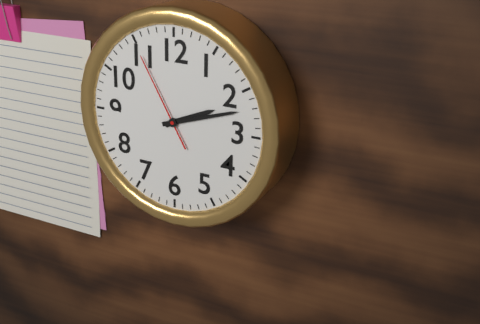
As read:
2,12,55
